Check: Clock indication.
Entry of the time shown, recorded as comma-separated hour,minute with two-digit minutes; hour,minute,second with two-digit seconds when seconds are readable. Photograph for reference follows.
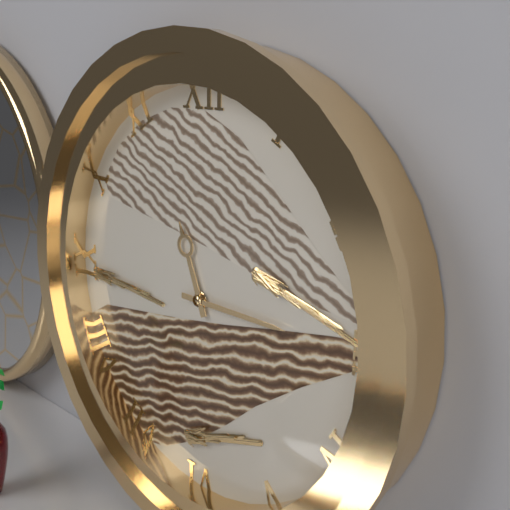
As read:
11,15
